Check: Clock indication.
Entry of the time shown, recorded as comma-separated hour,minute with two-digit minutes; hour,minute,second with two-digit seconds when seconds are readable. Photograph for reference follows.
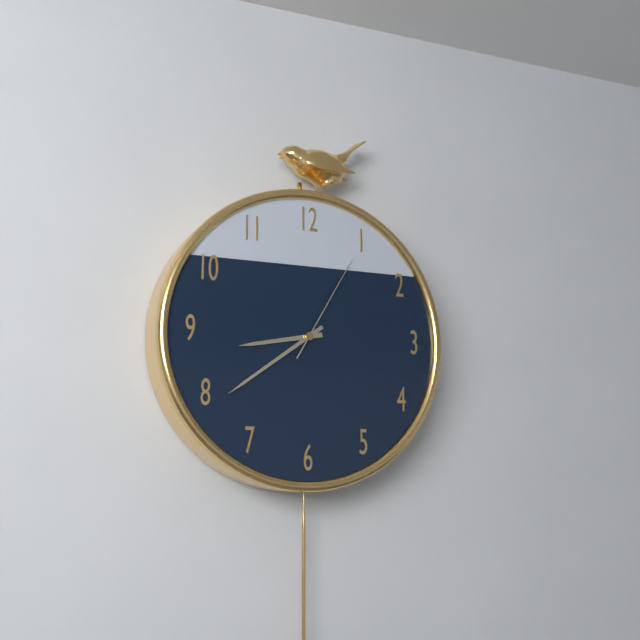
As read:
8,39,05
